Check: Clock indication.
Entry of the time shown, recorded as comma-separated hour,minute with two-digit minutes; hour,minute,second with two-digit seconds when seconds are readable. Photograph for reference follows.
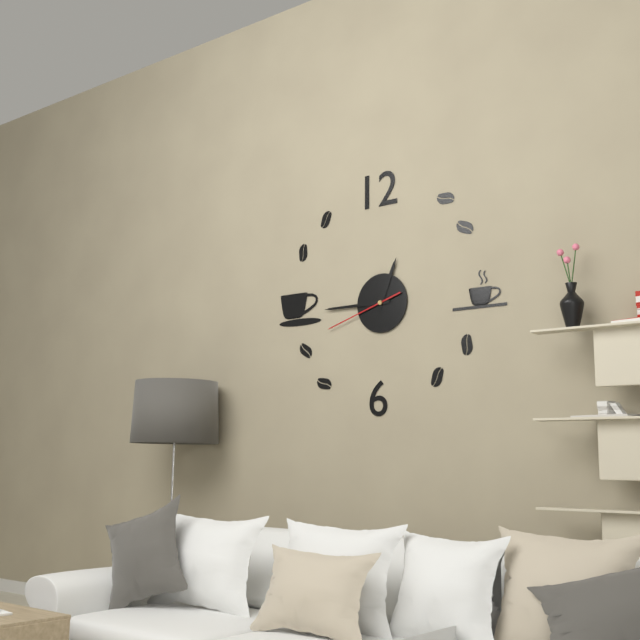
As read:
12,45,42
